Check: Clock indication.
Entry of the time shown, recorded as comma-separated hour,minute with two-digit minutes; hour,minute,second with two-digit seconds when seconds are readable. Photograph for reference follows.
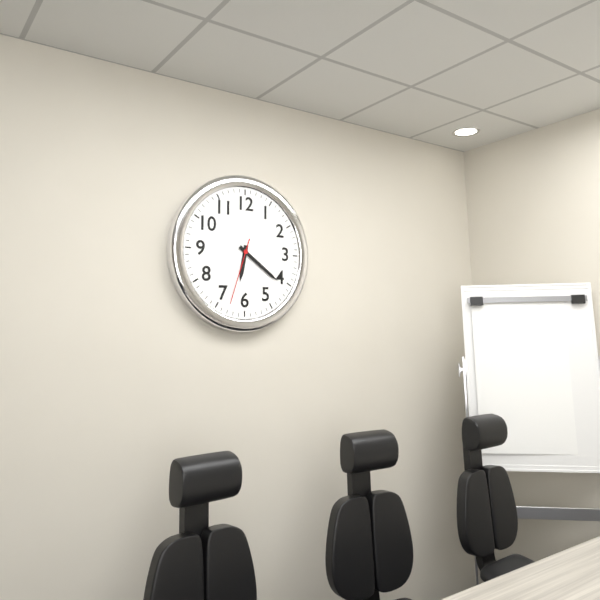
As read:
6,21,33
